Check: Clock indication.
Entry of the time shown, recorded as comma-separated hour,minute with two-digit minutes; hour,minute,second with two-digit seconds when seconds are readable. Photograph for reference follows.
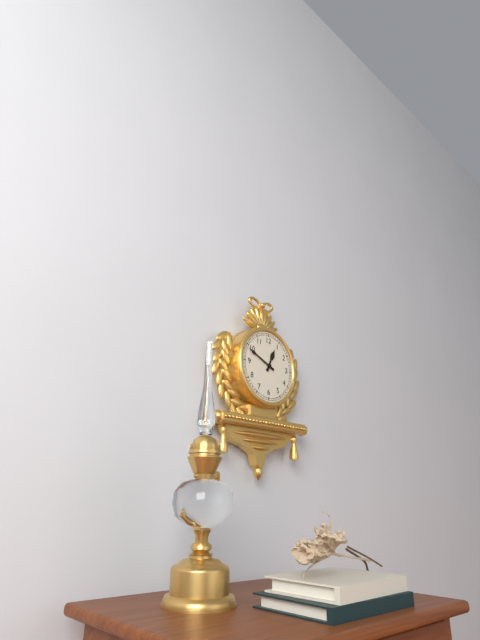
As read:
12,49
